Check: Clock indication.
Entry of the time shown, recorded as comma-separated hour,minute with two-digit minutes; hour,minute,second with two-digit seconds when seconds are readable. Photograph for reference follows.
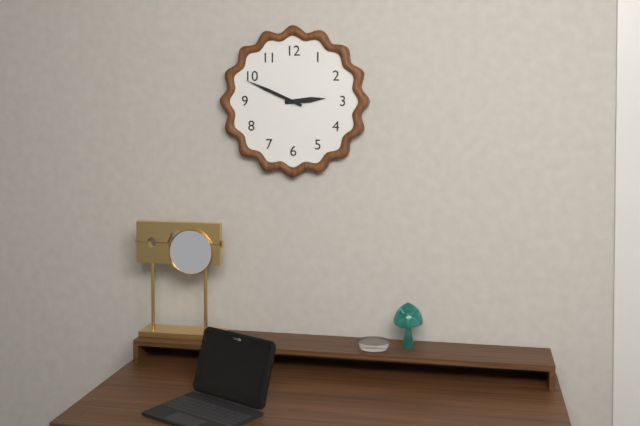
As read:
2,49
